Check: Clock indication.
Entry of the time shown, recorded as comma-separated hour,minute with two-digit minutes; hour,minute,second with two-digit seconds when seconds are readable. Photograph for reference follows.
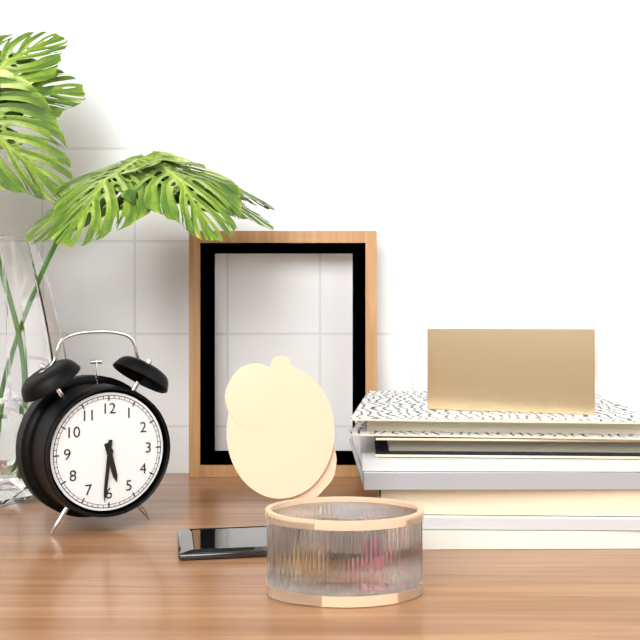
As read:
5,31
